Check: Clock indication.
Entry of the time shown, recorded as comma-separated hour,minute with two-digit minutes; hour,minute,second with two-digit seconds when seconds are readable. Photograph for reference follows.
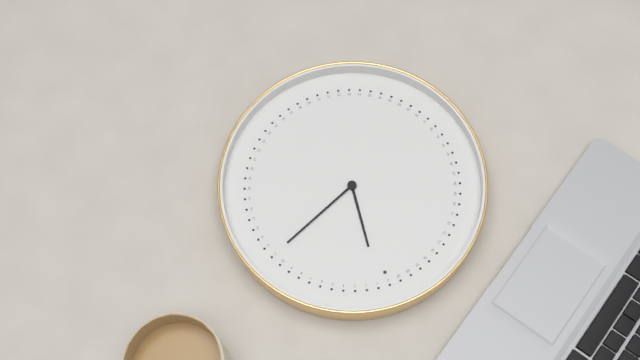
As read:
12,11
